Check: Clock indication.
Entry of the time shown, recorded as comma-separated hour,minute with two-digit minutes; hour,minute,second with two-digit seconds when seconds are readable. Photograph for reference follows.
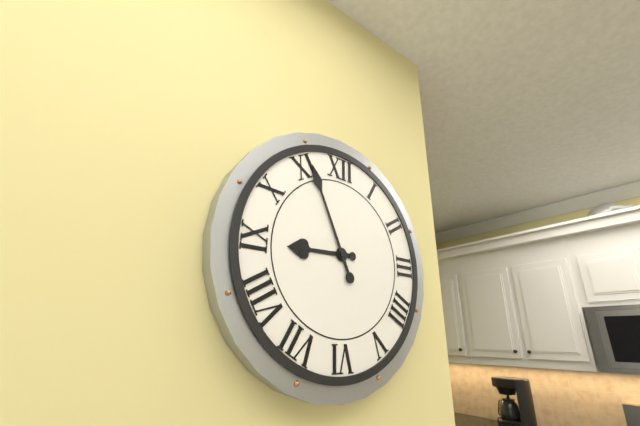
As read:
8,56
